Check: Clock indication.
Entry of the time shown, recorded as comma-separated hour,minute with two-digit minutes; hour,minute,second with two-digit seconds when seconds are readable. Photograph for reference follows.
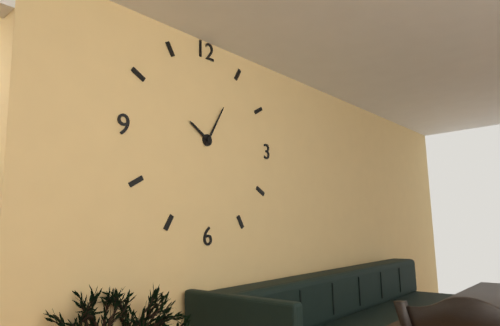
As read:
10,05
